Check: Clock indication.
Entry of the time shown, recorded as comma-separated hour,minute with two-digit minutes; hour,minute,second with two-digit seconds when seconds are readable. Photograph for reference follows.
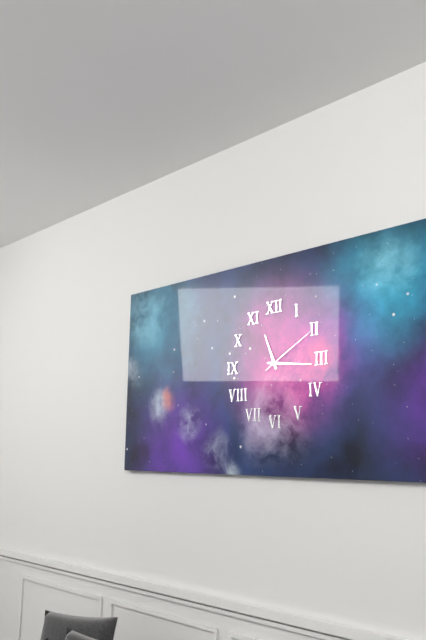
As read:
11,16,10
